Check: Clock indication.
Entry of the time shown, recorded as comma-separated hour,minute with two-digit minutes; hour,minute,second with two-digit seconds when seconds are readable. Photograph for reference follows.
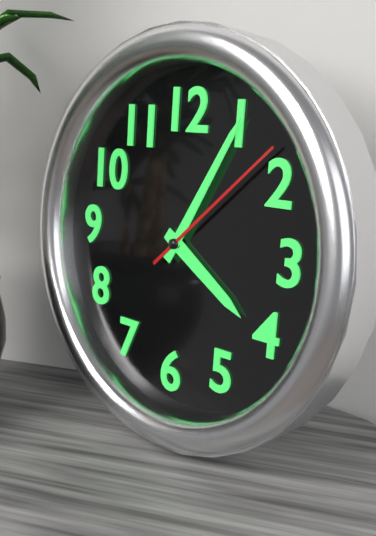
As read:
4,05,08
